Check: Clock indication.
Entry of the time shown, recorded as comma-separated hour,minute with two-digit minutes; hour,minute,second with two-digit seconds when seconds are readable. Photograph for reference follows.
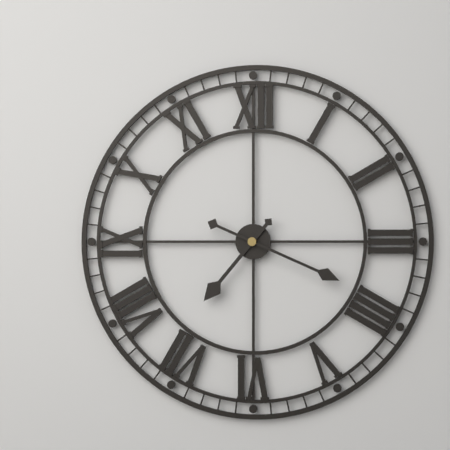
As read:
7,19
